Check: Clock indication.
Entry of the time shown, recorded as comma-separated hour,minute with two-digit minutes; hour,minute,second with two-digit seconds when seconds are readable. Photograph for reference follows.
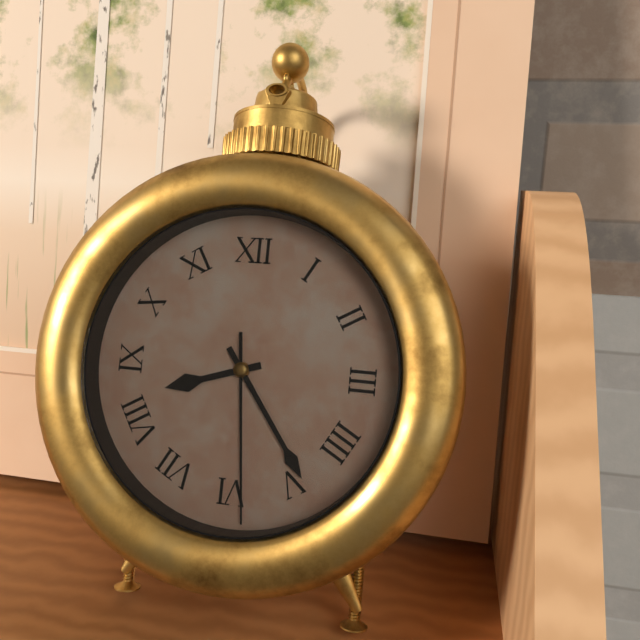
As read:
8,24,29
